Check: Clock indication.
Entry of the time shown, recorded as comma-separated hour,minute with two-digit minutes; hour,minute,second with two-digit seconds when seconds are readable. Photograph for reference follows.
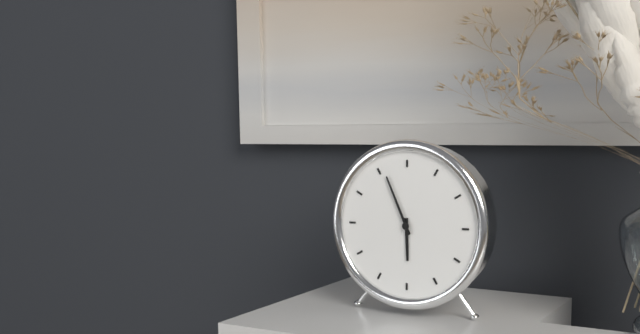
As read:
5,56
